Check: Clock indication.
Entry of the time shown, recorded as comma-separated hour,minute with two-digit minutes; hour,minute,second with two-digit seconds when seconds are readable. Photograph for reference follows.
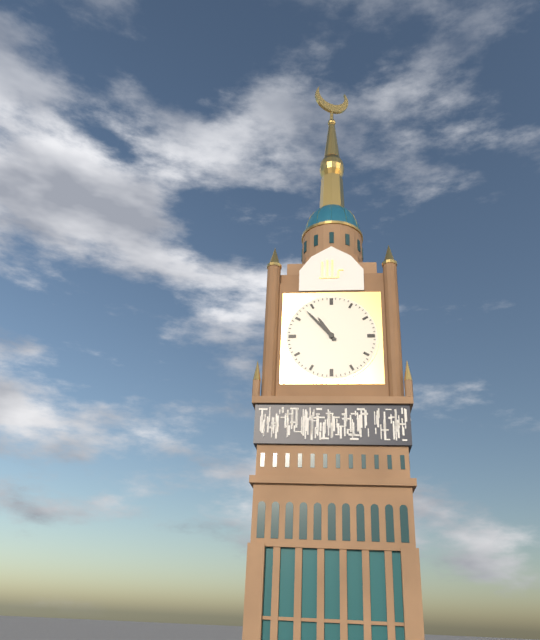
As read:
10,53
